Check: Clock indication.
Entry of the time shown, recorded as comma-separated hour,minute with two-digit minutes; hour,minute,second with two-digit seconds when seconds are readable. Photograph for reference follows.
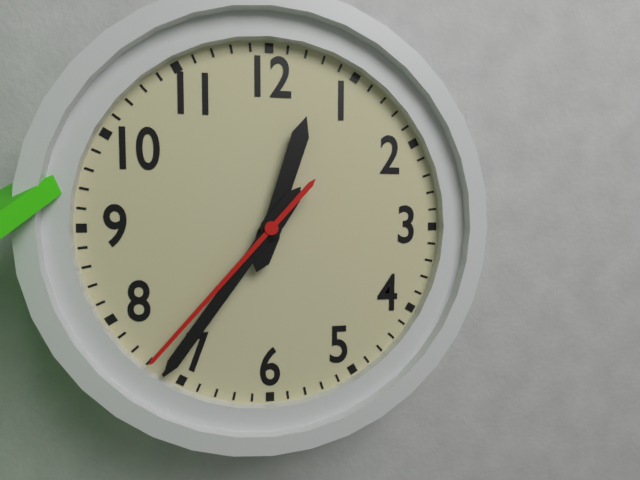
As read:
12,36,37
